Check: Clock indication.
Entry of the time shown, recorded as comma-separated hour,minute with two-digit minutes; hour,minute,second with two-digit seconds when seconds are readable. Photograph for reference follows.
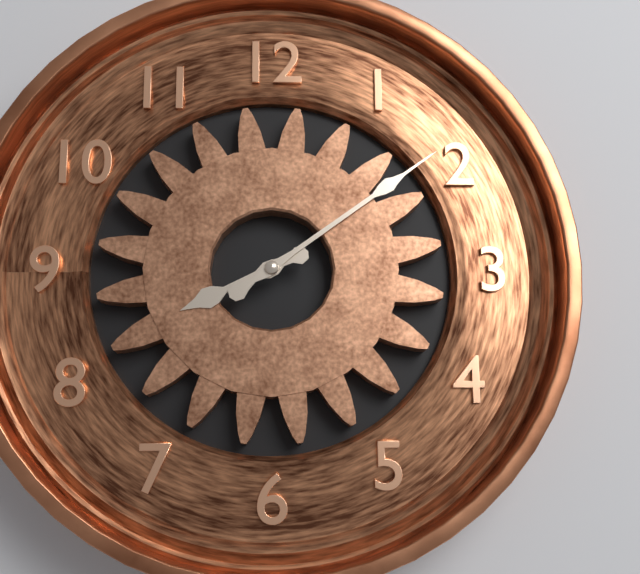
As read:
8,09
